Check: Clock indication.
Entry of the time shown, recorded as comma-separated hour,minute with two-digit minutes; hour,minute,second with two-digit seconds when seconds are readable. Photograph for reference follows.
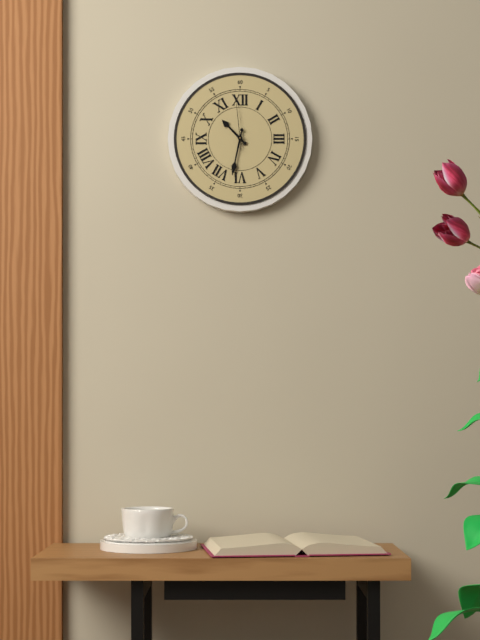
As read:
10,32,59
